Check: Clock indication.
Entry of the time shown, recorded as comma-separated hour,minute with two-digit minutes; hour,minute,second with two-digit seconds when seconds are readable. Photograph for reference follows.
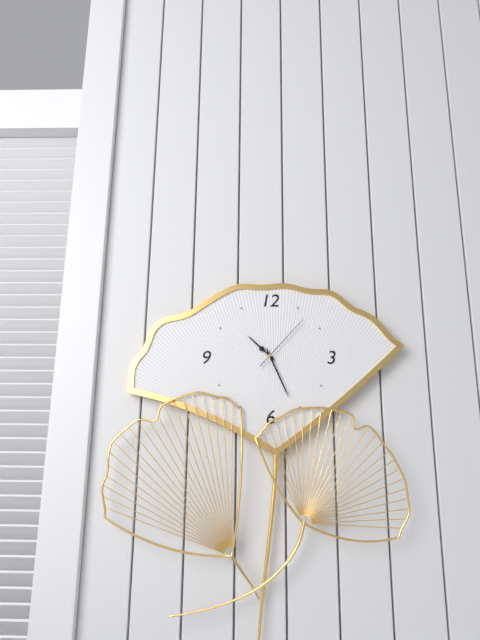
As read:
10,26,07
